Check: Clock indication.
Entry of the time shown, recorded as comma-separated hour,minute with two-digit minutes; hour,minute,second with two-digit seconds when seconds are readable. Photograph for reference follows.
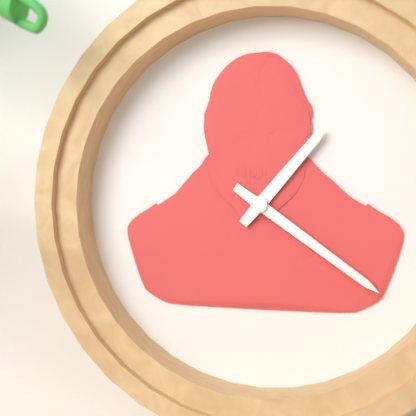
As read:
1,21
